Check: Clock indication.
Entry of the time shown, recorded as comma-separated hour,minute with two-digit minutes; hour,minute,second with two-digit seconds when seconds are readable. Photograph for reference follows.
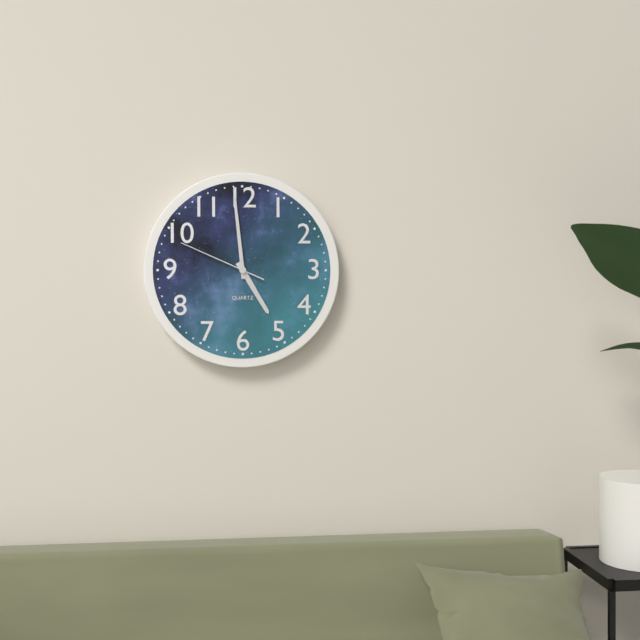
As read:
4,59,49
